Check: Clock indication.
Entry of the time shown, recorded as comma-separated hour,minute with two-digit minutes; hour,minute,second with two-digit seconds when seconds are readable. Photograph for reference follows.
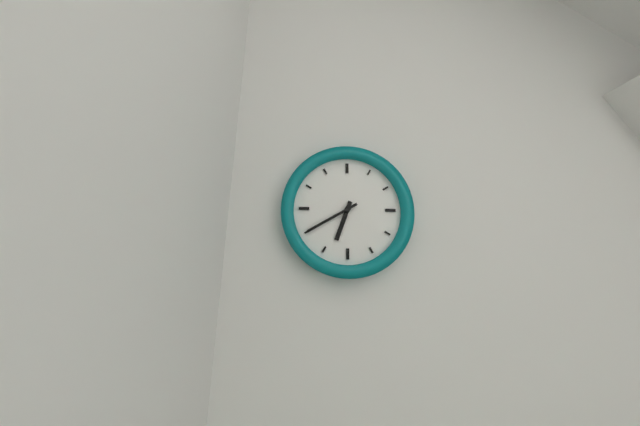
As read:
6,40
